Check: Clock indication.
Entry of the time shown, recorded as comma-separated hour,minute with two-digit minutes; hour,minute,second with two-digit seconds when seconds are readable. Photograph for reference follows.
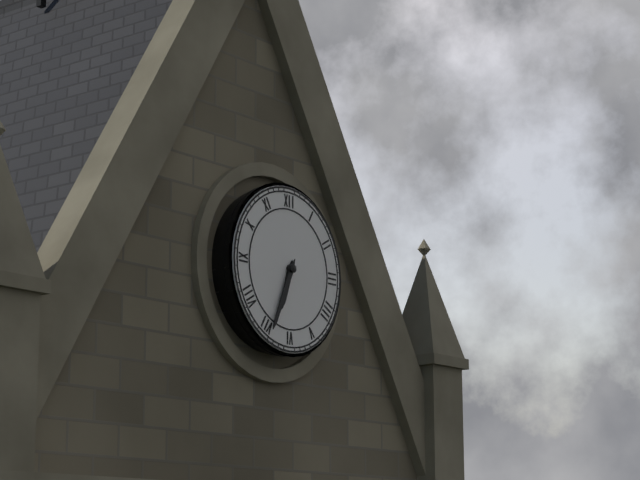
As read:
6,34
